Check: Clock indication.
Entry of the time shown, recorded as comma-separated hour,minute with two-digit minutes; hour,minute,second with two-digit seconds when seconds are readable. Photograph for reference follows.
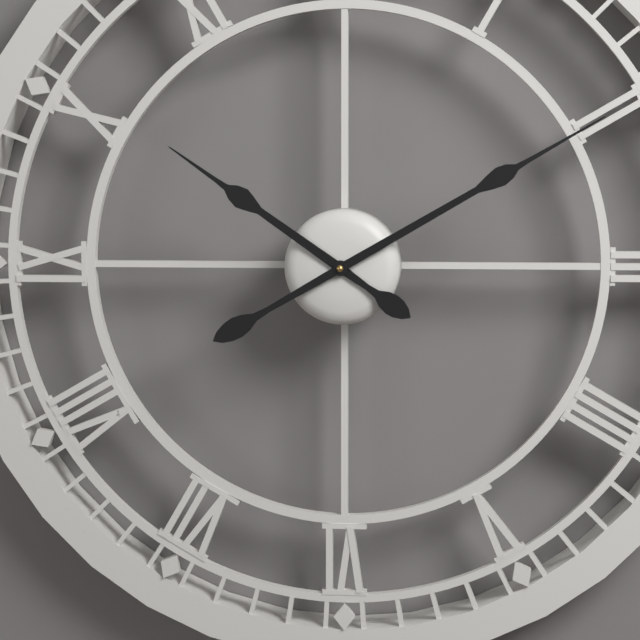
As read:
10,10
